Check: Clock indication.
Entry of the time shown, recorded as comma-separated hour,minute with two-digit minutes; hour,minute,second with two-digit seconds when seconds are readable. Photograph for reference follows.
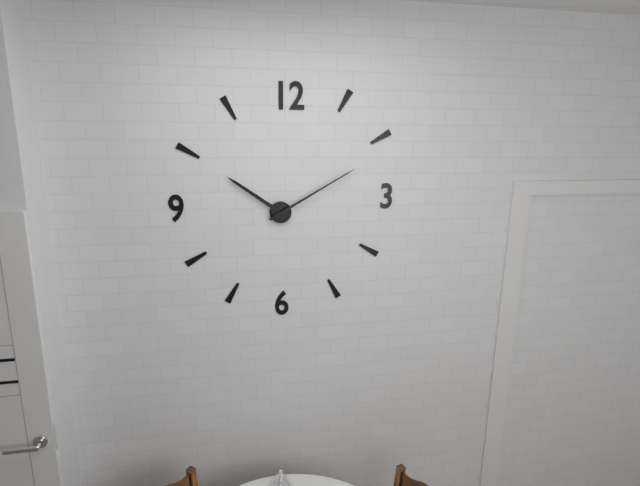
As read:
10,10
